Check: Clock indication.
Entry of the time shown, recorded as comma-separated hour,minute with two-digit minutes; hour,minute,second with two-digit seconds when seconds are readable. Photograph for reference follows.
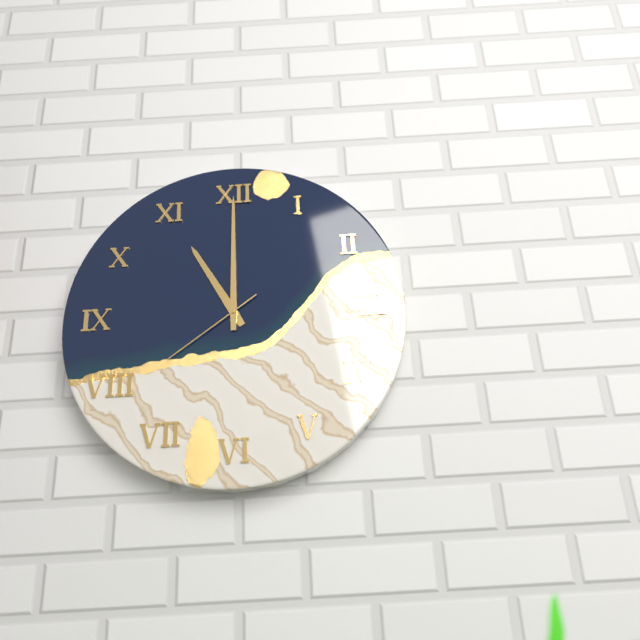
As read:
11,00,39
